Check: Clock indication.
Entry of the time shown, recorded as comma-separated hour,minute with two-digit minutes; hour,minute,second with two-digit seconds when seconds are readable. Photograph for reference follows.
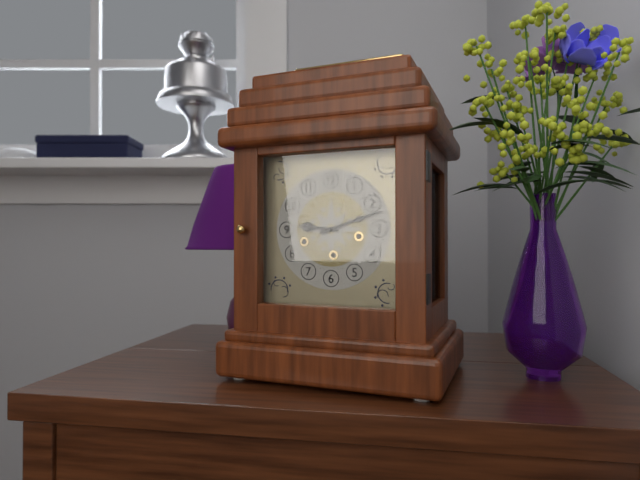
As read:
9,12
